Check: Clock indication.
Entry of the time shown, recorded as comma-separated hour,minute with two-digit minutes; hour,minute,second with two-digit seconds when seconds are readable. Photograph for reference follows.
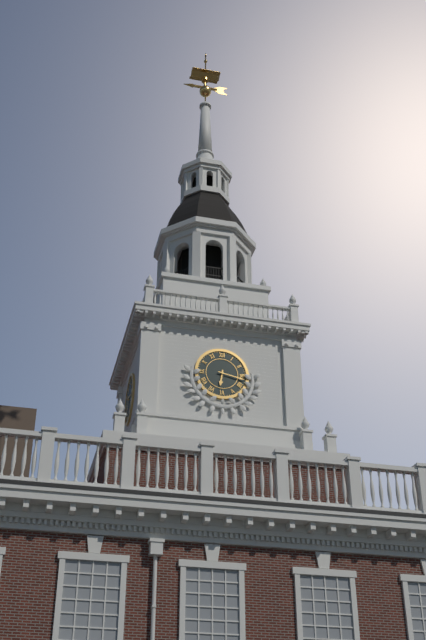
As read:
6,17
